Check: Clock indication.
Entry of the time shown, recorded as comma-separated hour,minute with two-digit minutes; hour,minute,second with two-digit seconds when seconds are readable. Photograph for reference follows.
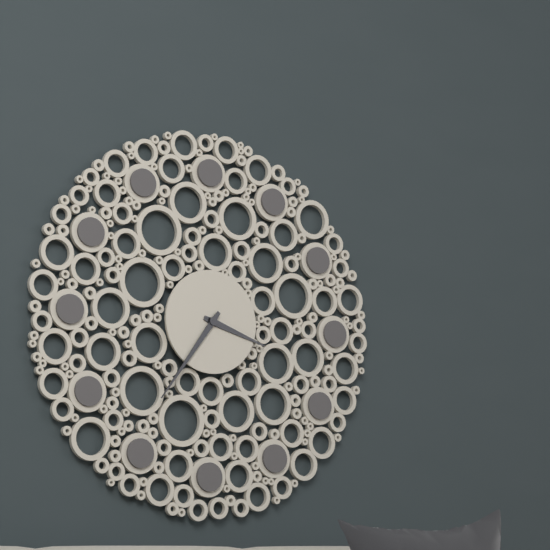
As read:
3,36
